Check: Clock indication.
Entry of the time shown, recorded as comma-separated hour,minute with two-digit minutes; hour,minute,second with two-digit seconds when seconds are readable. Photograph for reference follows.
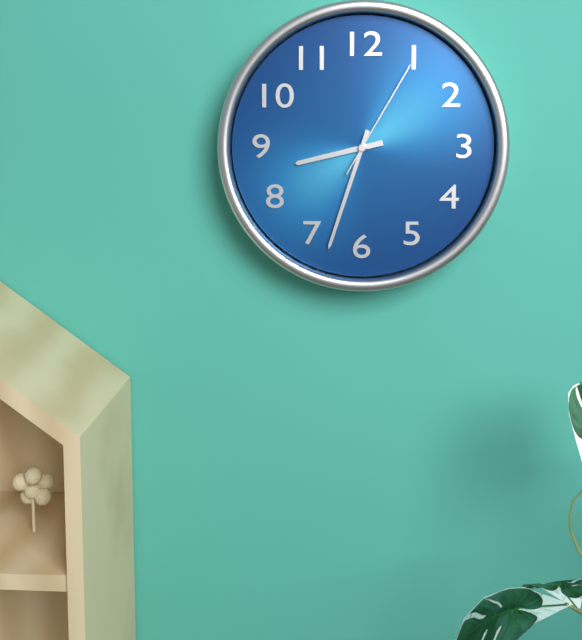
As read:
8,33,05
